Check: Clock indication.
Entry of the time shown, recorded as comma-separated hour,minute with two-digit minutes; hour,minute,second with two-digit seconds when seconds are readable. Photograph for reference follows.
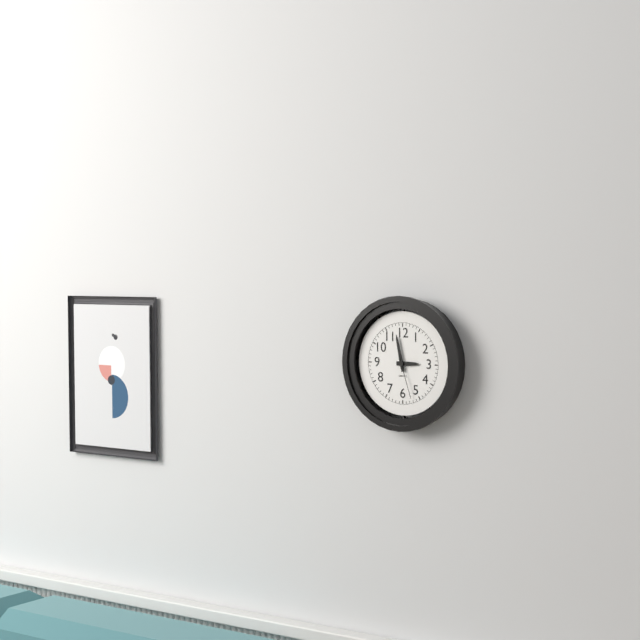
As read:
2,58
